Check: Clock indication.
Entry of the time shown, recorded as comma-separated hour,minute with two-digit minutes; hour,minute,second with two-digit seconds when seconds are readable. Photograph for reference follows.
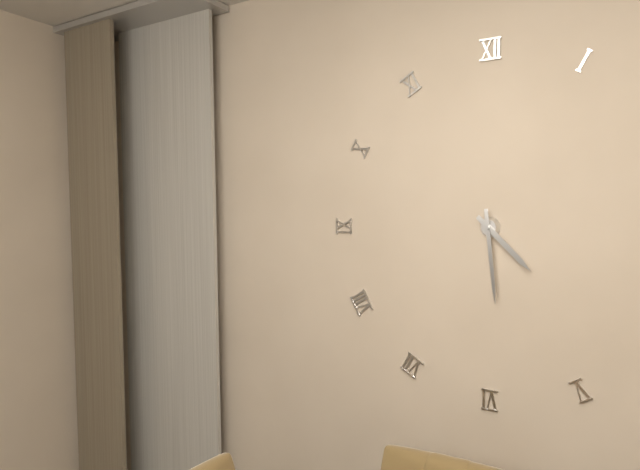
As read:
4,29
